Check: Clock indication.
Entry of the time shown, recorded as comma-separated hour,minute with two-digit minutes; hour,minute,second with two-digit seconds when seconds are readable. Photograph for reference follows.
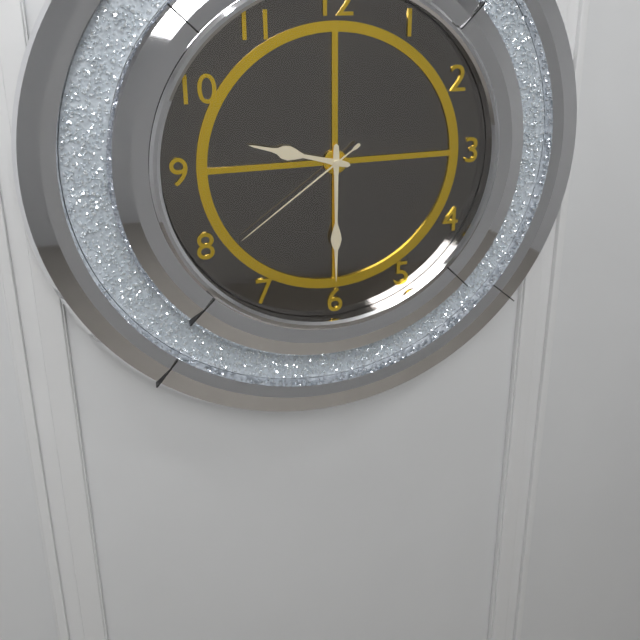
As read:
9,30,39
